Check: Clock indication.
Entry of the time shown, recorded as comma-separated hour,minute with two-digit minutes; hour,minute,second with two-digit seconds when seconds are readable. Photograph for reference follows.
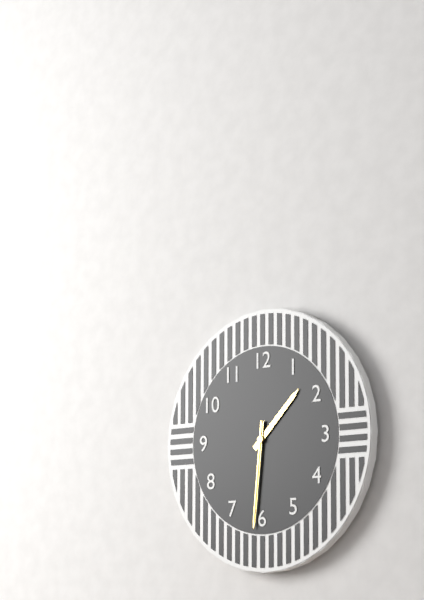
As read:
1,31,31
